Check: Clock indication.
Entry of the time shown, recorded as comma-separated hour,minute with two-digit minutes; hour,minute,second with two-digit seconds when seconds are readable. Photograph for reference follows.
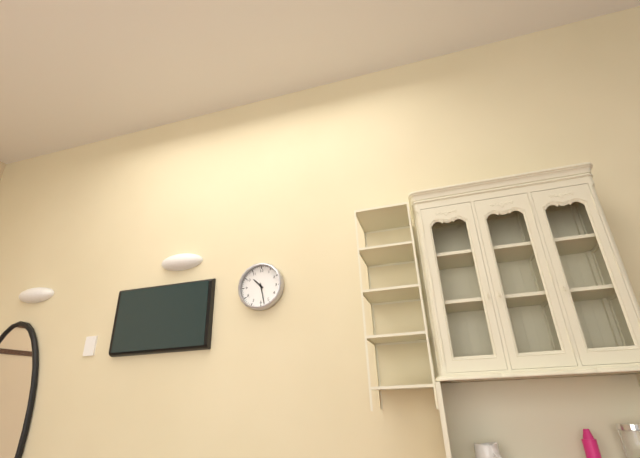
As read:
10,28
